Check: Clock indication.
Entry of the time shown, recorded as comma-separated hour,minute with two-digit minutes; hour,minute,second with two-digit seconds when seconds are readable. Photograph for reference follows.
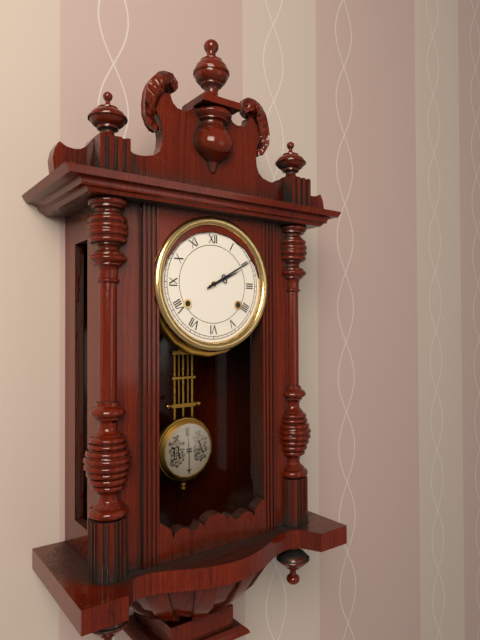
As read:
2,10
